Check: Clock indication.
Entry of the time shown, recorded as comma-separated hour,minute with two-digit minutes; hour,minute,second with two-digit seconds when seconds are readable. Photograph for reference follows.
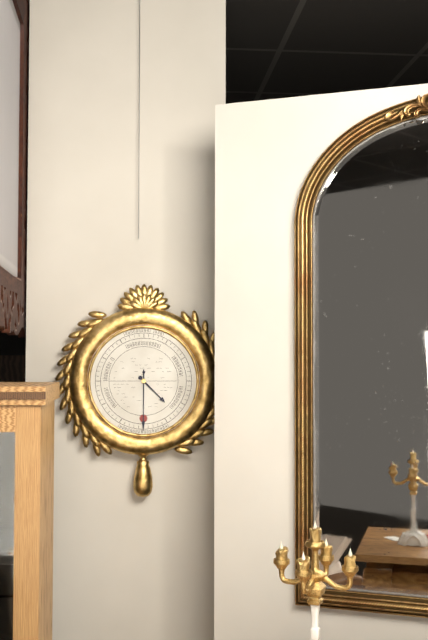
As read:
4,30
